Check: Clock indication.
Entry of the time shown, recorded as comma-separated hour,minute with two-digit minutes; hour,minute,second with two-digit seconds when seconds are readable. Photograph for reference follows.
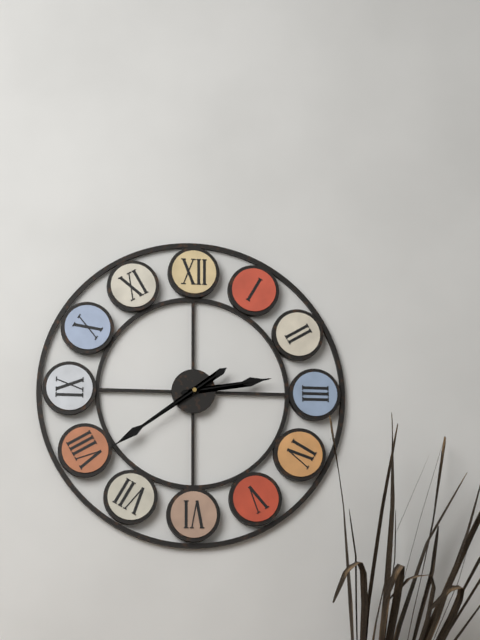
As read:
2,39
